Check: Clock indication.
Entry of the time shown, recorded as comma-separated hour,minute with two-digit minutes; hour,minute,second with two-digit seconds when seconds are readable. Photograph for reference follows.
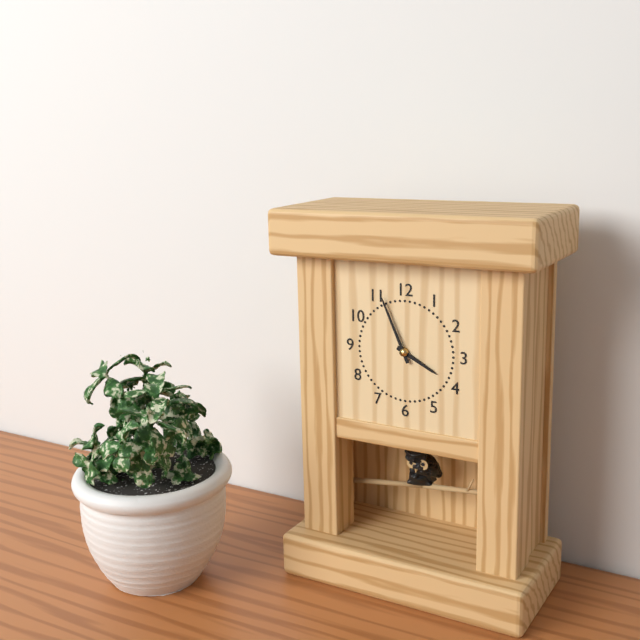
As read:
3,56
